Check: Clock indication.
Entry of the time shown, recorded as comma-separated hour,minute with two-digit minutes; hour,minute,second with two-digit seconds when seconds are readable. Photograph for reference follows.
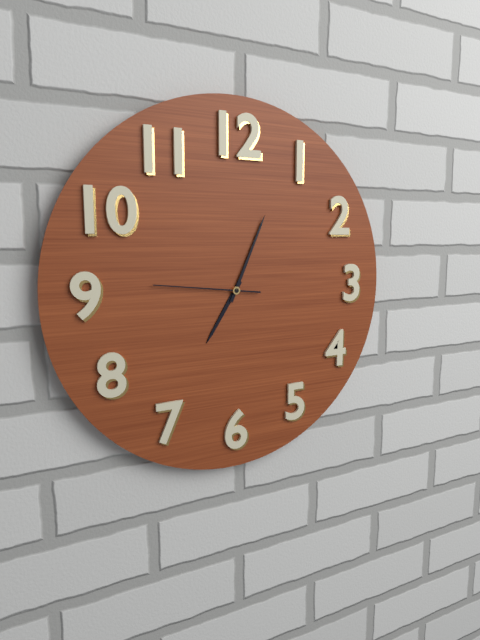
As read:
7,04,46
